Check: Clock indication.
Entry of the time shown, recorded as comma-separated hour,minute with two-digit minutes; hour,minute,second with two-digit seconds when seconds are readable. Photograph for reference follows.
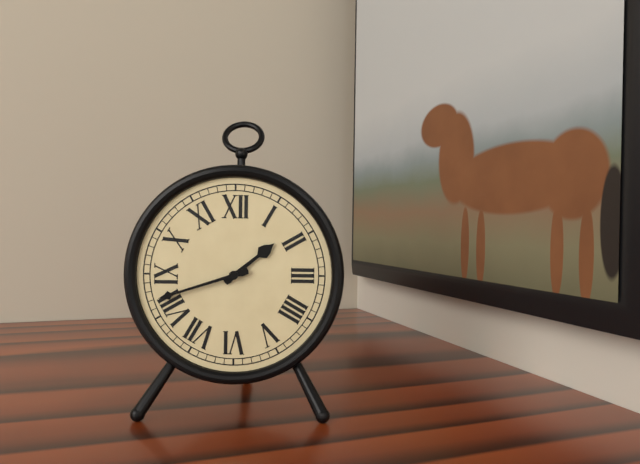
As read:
1,42
